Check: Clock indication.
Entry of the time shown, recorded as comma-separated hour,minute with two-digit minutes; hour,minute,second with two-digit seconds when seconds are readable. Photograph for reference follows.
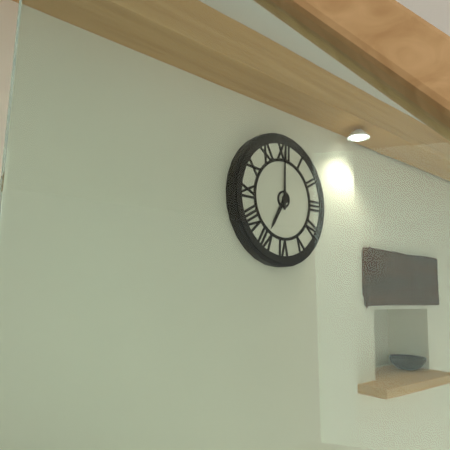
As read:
7,00
